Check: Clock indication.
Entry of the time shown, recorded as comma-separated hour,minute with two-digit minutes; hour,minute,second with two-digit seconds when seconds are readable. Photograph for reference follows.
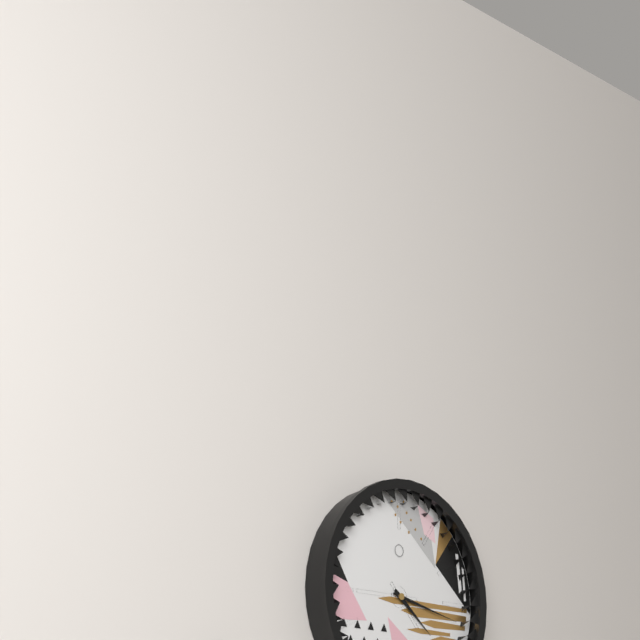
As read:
4,17
